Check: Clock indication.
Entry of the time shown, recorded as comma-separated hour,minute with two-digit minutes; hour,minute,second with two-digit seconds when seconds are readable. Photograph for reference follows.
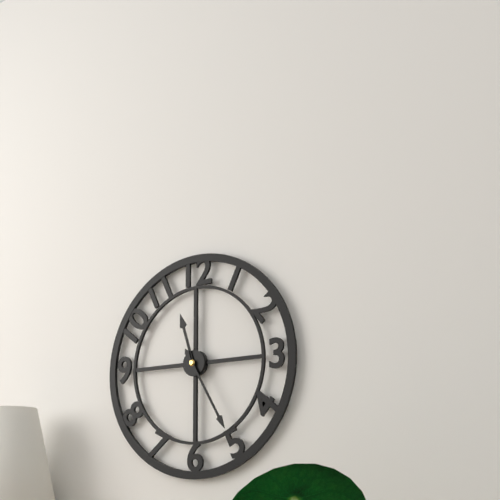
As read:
11,25
